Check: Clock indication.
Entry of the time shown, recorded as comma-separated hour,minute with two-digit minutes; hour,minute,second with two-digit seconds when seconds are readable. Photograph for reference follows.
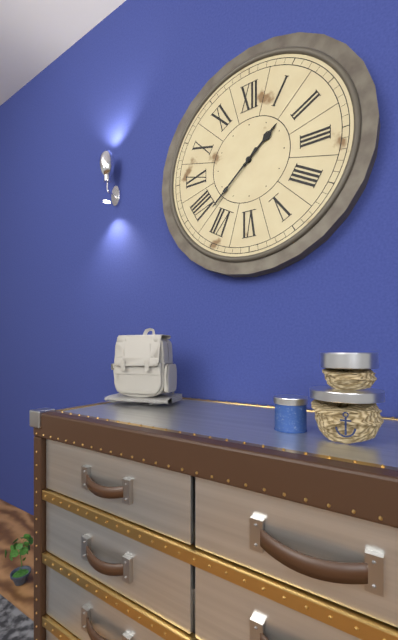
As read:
1,38
